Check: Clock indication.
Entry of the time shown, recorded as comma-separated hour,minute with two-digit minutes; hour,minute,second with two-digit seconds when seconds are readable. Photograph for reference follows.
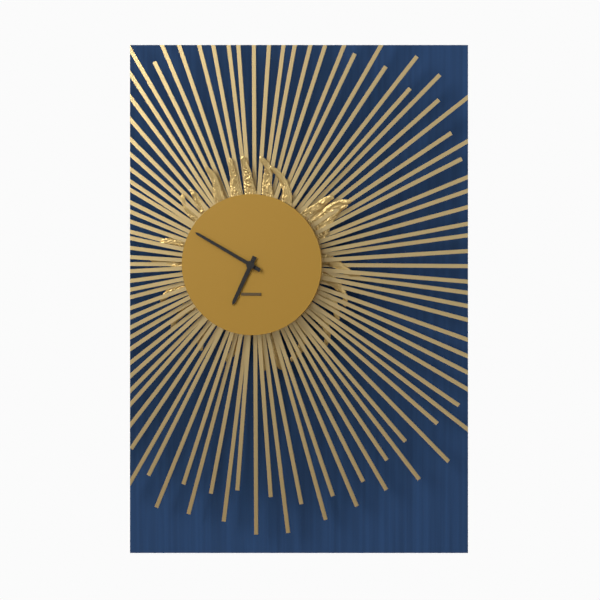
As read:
6,50
